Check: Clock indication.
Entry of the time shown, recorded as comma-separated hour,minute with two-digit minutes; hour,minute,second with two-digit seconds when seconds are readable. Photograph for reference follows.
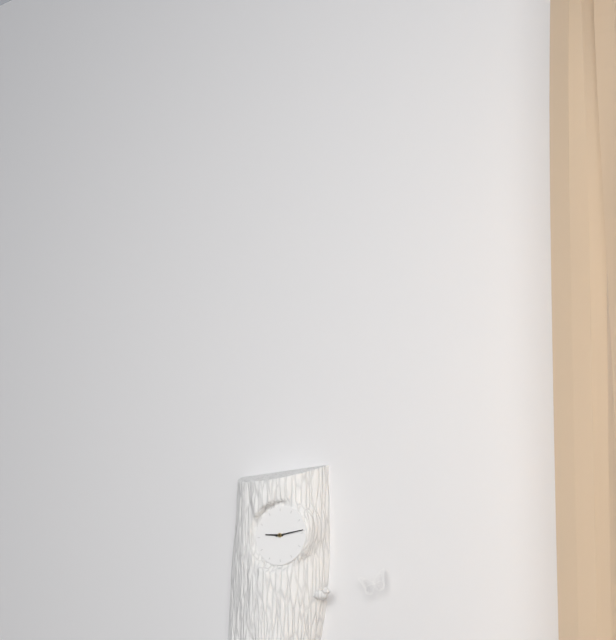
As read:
9,14
